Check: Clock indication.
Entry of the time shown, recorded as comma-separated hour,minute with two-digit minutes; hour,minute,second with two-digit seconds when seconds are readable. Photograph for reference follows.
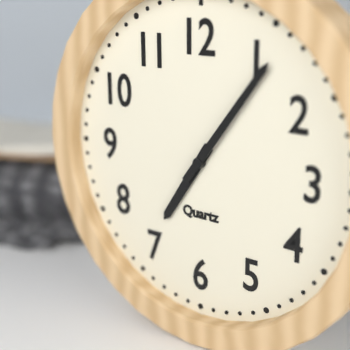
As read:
7,06
